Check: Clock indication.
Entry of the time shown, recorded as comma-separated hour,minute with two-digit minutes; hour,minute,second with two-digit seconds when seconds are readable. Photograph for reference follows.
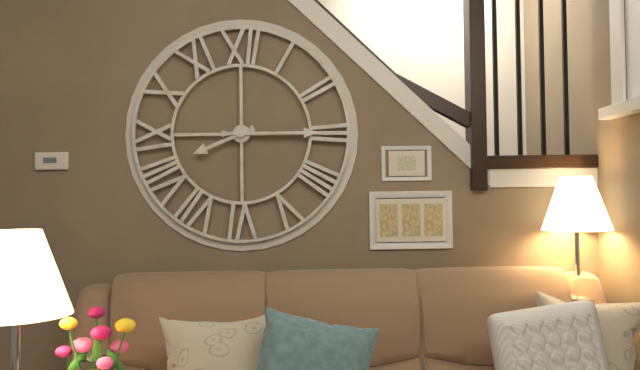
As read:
8,15
